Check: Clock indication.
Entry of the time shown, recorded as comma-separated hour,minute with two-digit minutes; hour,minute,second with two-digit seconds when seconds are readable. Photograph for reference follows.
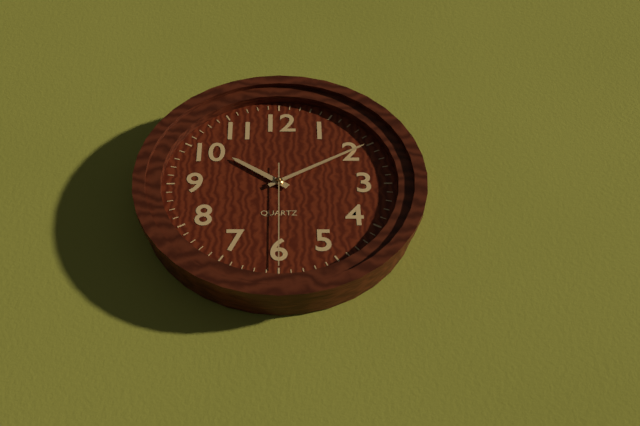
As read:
10,10,30
